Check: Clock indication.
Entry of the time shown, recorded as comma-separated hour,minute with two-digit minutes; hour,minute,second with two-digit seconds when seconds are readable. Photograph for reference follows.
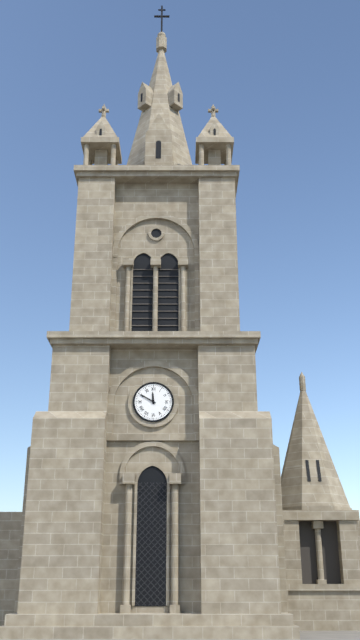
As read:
11,50
